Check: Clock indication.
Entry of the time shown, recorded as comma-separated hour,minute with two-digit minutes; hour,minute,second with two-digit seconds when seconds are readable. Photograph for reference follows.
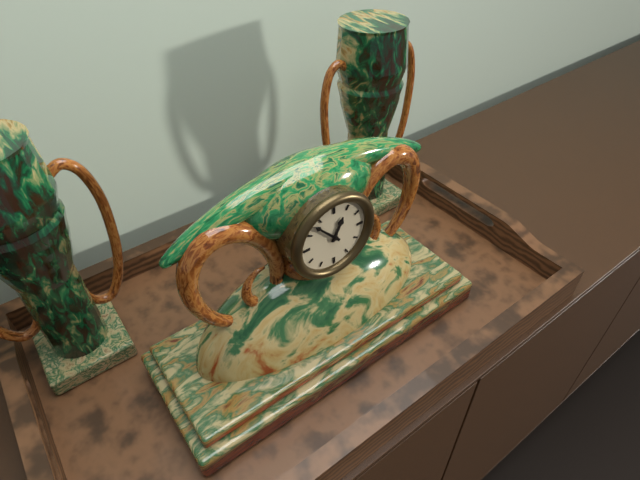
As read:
12,53
